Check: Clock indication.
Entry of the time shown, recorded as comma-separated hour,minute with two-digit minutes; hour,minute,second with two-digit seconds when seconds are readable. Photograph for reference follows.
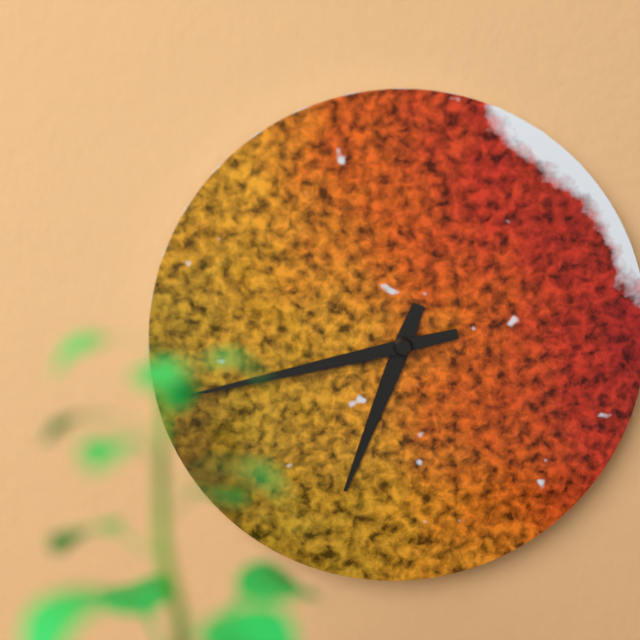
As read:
6,43
